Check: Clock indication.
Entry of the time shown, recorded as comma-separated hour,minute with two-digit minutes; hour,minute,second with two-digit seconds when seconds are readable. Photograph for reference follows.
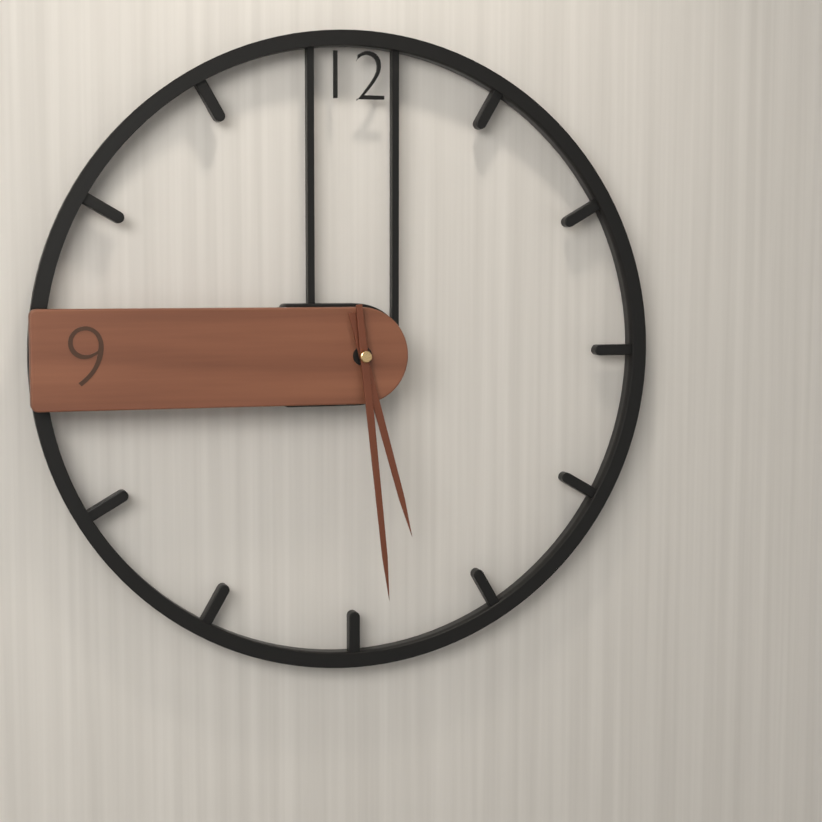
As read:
5,29
